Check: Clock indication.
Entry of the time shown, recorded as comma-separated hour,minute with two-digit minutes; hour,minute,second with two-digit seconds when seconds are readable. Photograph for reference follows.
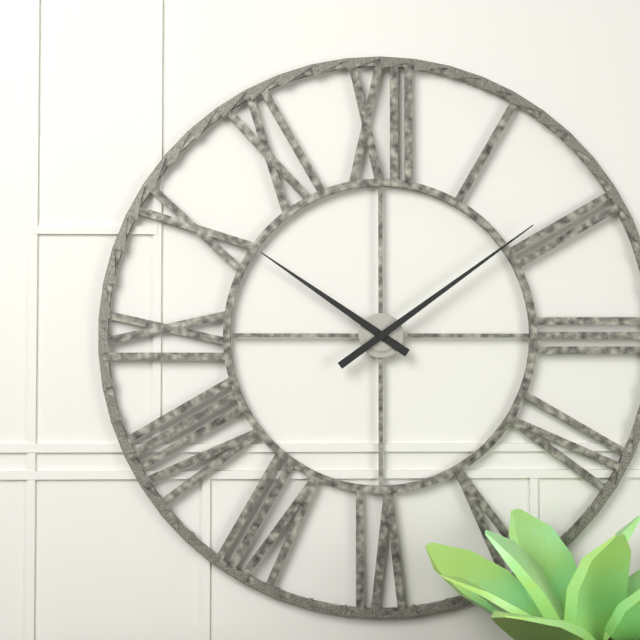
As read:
10,09
